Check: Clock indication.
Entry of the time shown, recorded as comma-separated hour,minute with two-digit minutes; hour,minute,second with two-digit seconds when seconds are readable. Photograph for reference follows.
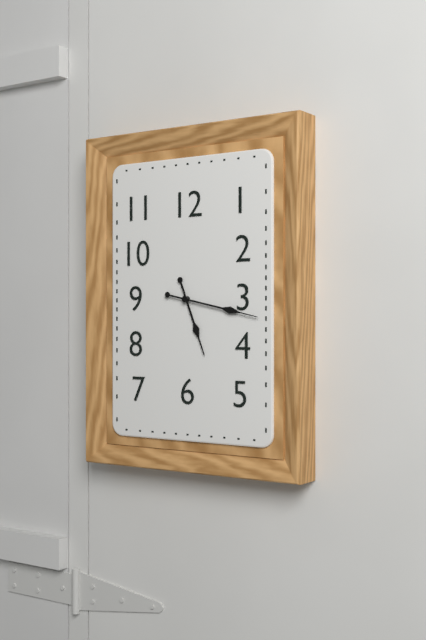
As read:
5,17
